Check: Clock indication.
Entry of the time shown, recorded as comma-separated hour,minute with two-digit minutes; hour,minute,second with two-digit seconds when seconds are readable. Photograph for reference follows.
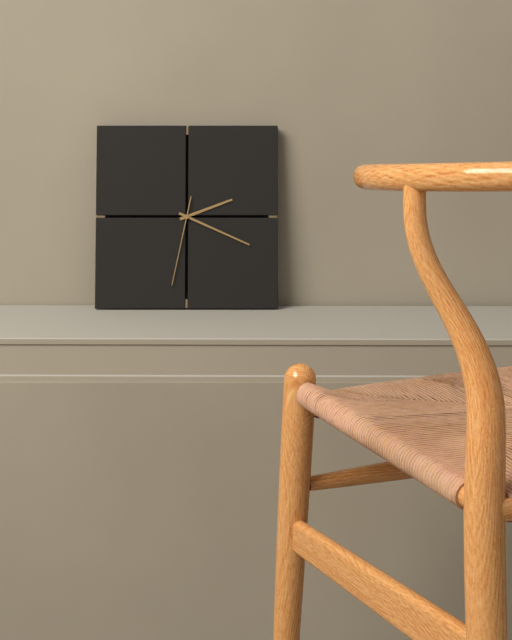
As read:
2,19,32
